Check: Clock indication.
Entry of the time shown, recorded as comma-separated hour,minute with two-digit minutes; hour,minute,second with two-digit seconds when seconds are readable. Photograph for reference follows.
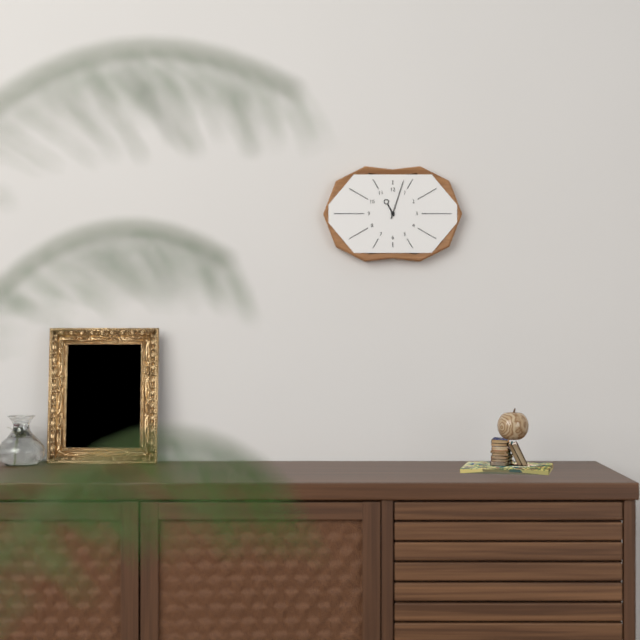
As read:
11,03
